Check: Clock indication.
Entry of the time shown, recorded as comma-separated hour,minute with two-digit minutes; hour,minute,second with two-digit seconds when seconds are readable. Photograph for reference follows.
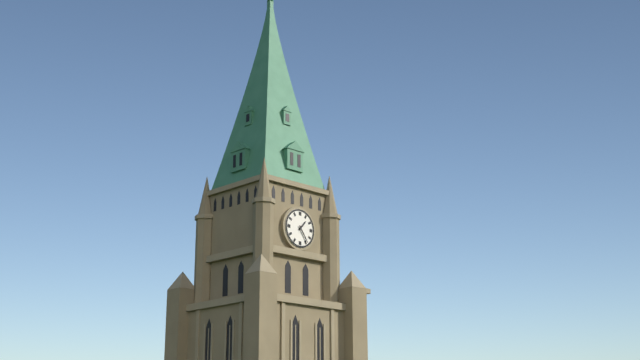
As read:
1,24
